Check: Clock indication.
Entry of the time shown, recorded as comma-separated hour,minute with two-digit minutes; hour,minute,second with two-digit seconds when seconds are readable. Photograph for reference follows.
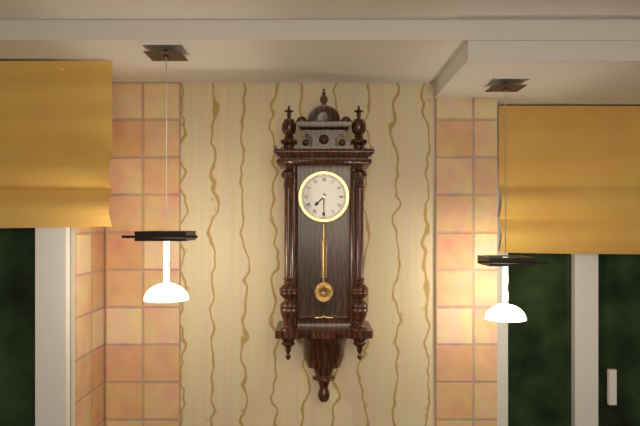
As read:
7,30
